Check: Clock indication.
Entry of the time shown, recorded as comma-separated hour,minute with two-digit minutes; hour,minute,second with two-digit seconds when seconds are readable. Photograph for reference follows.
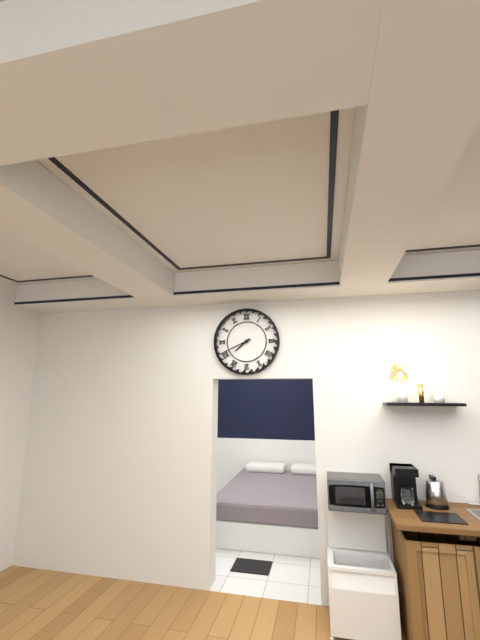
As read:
7,41
